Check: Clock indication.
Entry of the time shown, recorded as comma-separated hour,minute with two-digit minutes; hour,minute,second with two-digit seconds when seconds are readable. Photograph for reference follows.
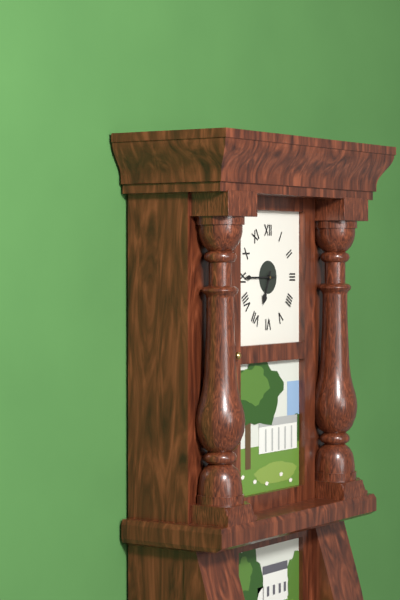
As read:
6,45
